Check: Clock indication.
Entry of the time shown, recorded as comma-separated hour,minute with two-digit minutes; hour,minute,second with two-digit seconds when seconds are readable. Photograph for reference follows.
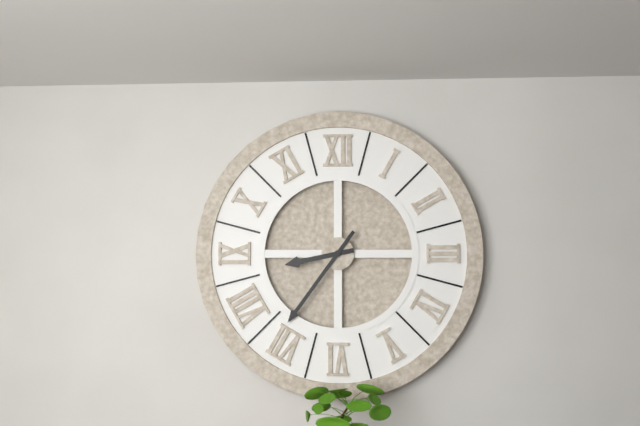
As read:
8,36
